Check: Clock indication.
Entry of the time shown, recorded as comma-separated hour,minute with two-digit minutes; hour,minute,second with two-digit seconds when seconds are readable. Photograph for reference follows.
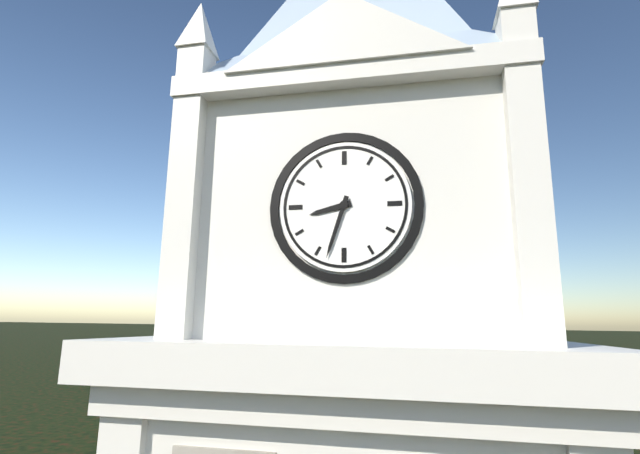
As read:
8,33
